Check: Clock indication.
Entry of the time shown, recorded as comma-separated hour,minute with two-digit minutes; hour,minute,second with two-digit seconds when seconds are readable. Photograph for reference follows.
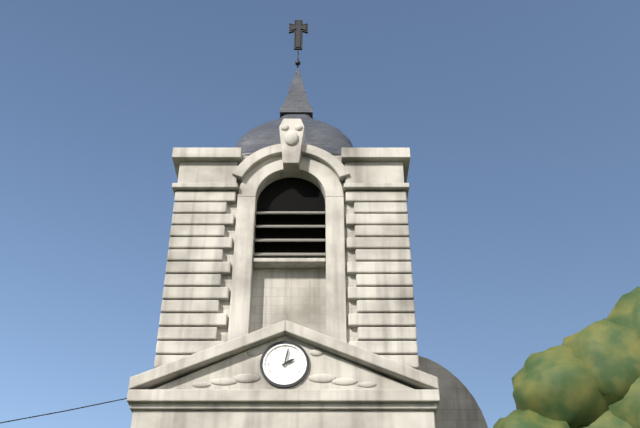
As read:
2,02
